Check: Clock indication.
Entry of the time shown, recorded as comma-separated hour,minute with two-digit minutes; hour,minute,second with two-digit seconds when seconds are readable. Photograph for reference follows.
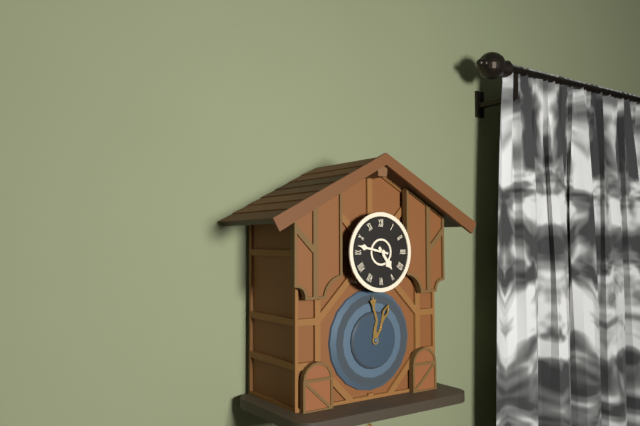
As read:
4,47
